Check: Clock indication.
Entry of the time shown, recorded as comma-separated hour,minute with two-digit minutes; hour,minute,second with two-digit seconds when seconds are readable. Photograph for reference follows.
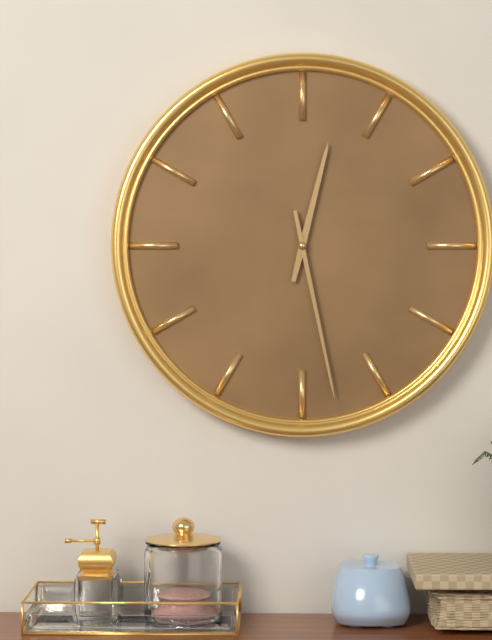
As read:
12,28
